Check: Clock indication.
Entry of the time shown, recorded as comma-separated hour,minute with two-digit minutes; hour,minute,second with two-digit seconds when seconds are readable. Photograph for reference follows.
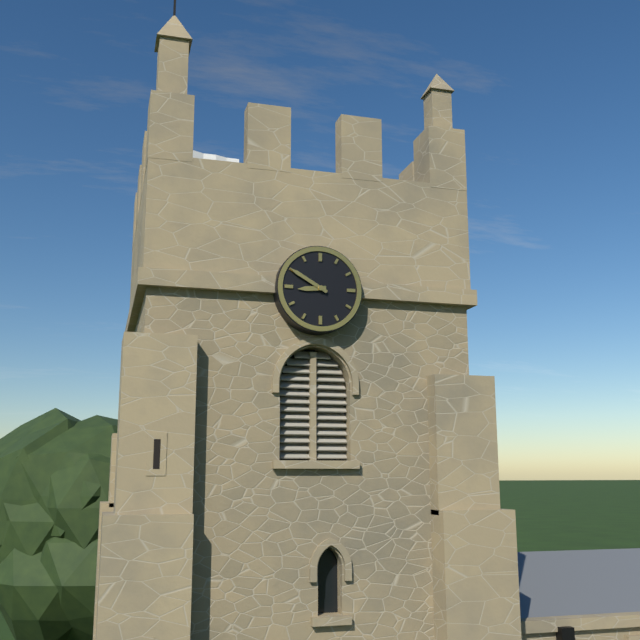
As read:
8,50
